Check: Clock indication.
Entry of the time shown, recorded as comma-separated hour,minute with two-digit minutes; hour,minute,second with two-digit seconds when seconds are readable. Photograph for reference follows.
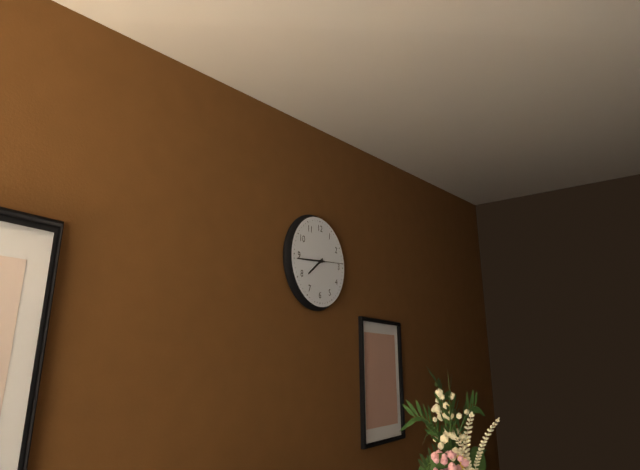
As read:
7,44
